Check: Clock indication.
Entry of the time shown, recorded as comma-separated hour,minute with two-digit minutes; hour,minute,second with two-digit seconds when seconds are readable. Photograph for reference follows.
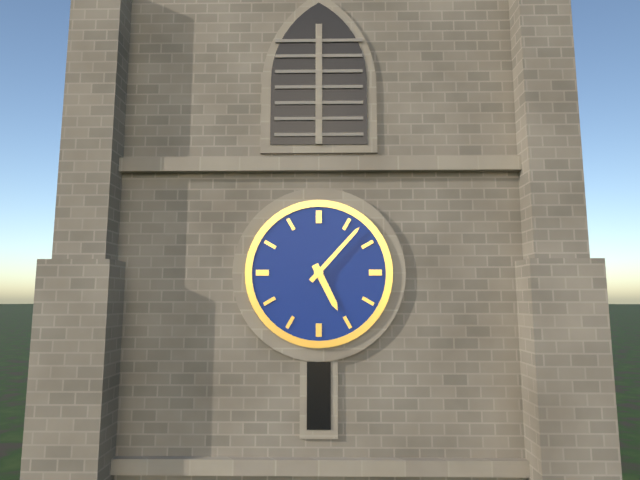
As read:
5,07
